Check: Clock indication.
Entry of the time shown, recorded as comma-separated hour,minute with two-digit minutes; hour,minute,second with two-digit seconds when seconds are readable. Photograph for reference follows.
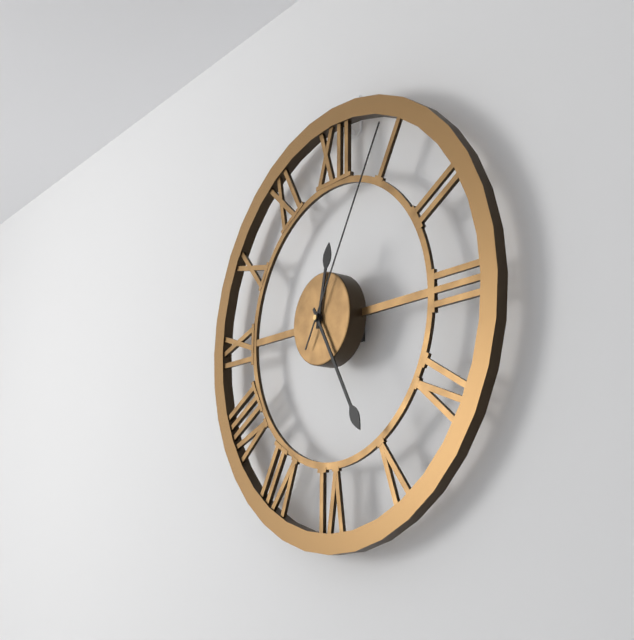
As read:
12,25,05
